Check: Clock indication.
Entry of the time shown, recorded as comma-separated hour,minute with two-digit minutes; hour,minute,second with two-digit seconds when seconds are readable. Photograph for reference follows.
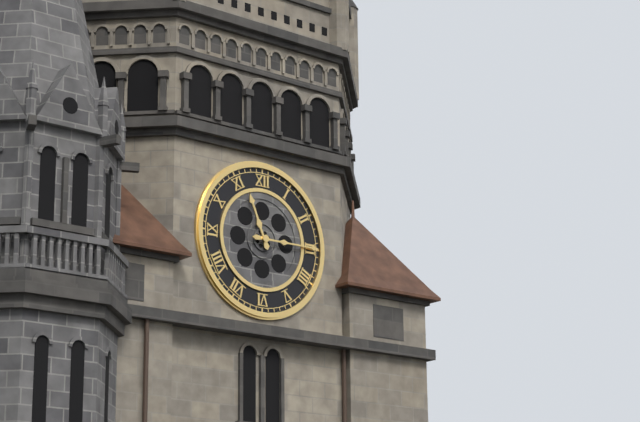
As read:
11,15
